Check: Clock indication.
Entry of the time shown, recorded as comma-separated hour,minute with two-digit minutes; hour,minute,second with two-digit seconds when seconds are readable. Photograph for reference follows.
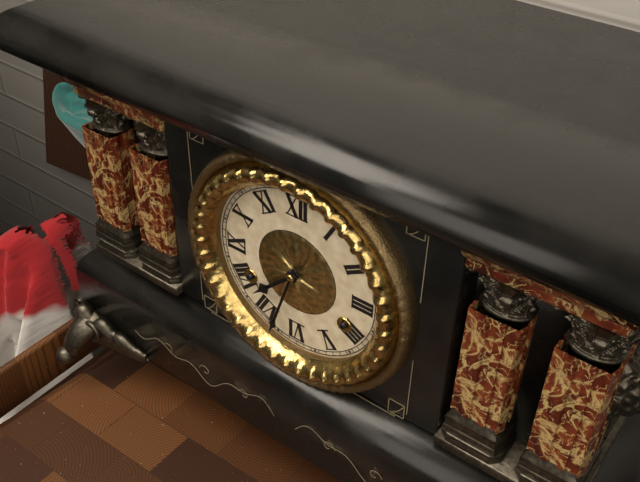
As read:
7,33
